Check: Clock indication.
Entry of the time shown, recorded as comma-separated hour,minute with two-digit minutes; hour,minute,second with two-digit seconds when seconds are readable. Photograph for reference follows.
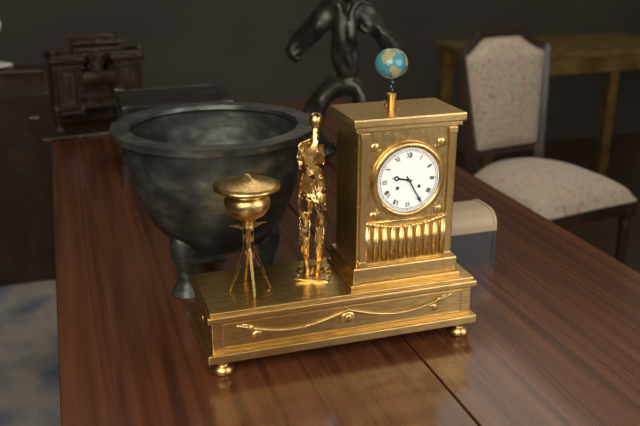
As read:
9,25
